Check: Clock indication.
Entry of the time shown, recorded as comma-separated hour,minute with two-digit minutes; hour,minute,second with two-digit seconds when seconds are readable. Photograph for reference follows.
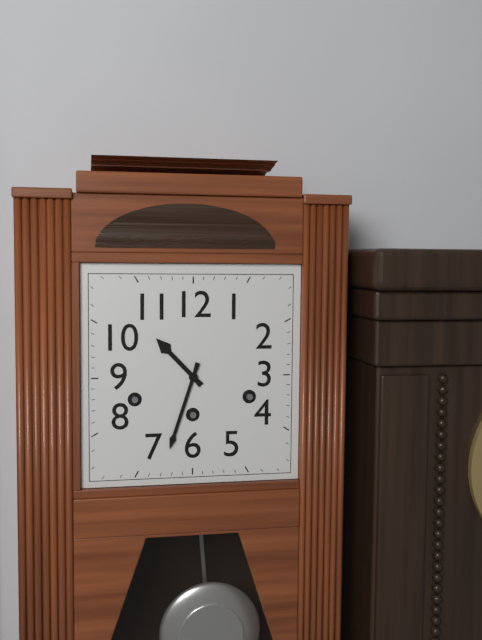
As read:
10,33
